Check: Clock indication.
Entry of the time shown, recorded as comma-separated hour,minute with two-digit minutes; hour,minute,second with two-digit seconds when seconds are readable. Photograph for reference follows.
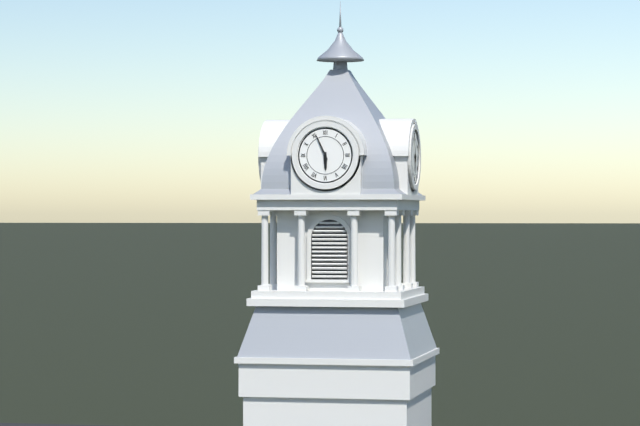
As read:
5,56
